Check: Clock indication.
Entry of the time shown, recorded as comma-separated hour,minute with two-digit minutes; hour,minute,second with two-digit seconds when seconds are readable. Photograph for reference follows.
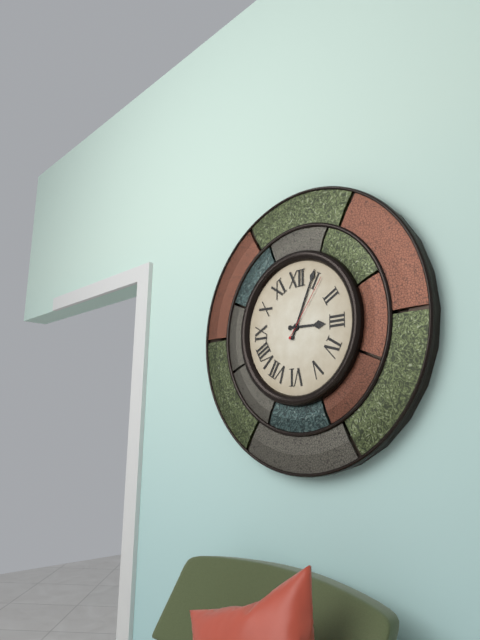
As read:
3,04,06
